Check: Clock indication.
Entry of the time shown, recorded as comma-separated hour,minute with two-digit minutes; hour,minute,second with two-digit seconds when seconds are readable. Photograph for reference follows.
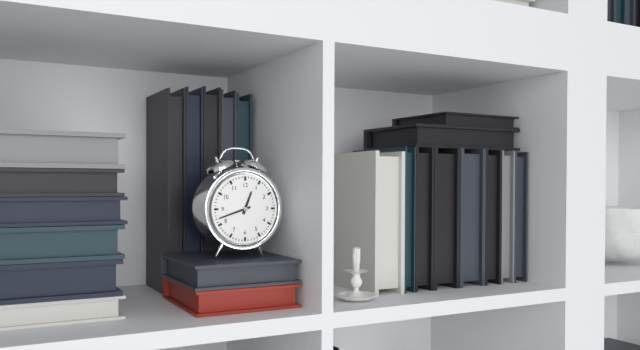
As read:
12,42
